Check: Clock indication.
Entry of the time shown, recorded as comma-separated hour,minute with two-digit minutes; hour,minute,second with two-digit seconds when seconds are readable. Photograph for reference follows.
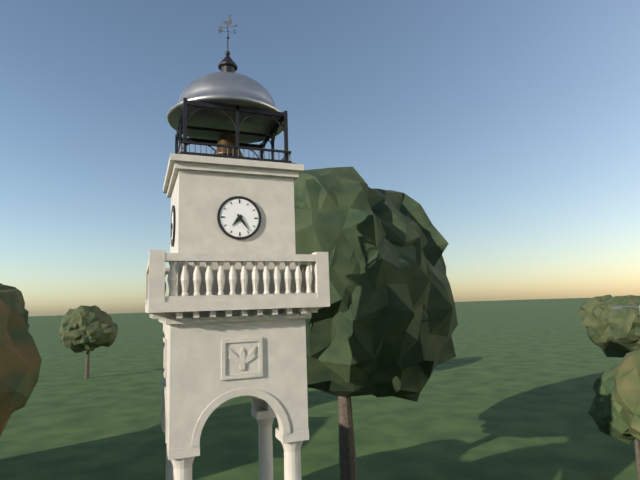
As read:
7,24
